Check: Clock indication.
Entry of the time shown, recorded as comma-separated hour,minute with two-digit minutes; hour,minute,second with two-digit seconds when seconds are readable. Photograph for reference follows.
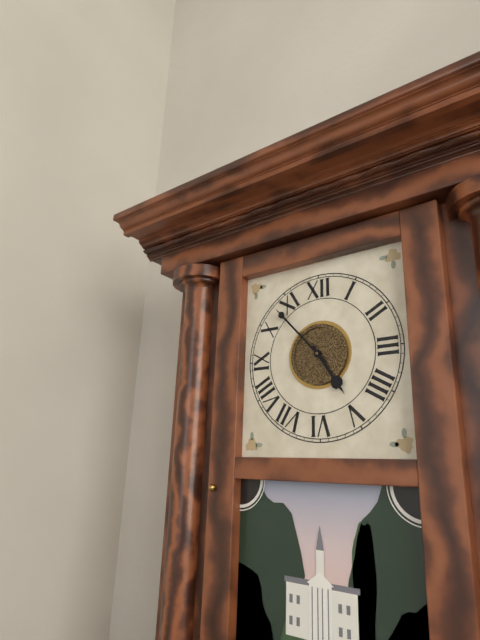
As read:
4,53
